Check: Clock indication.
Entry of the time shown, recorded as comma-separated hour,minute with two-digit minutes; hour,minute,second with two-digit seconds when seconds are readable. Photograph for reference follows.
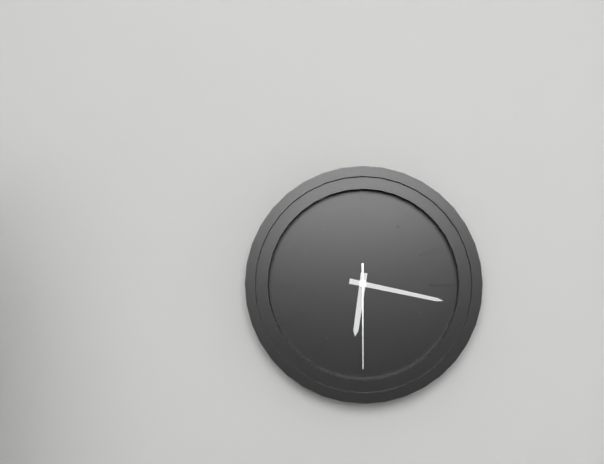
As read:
6,17,30
